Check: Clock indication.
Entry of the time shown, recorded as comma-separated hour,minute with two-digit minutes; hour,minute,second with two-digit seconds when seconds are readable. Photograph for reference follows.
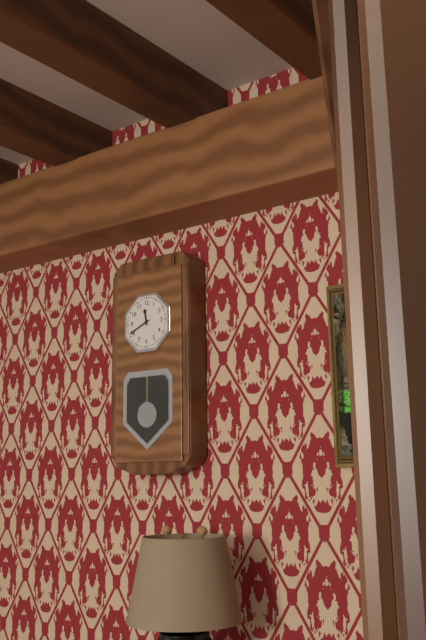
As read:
11,41
